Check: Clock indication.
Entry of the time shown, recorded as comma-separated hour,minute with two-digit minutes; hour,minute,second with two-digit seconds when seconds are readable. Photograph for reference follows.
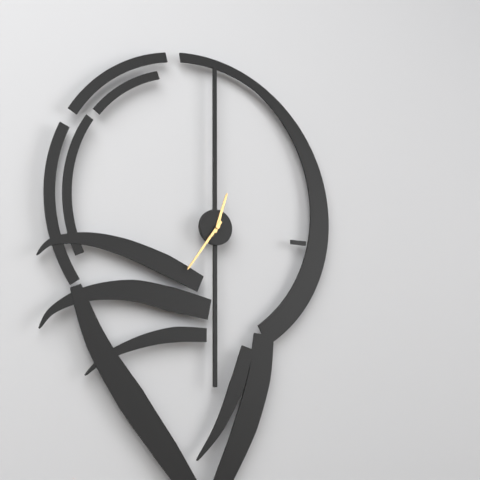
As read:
12,36
